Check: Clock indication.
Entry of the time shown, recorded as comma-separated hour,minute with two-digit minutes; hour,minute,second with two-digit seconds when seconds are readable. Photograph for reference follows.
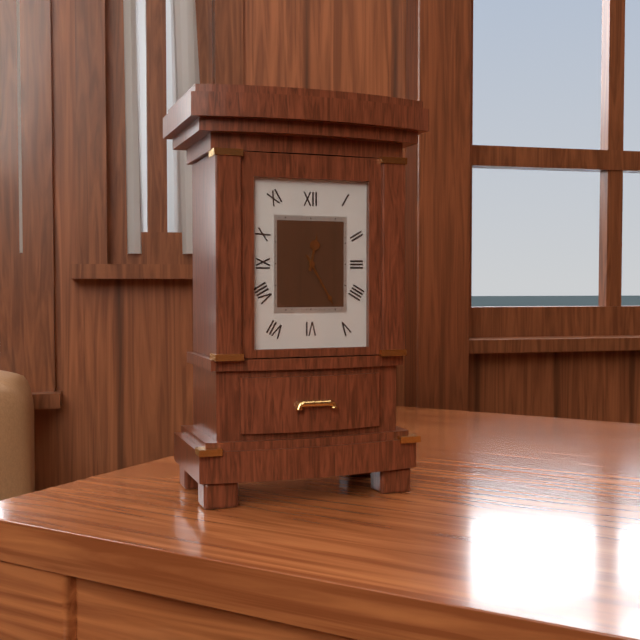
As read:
12,25
